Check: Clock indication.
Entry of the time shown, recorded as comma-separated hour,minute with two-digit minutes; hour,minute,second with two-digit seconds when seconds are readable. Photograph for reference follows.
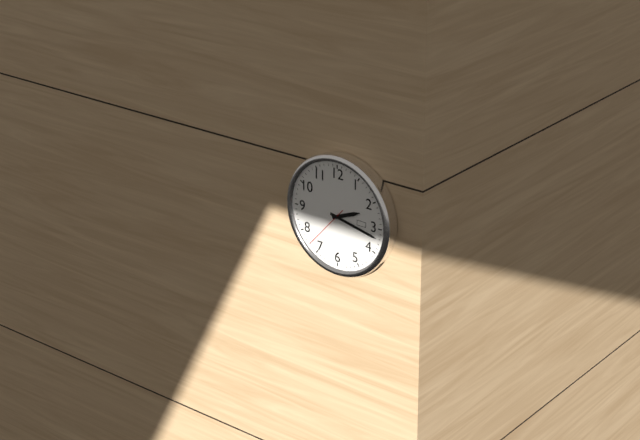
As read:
2,17,37
